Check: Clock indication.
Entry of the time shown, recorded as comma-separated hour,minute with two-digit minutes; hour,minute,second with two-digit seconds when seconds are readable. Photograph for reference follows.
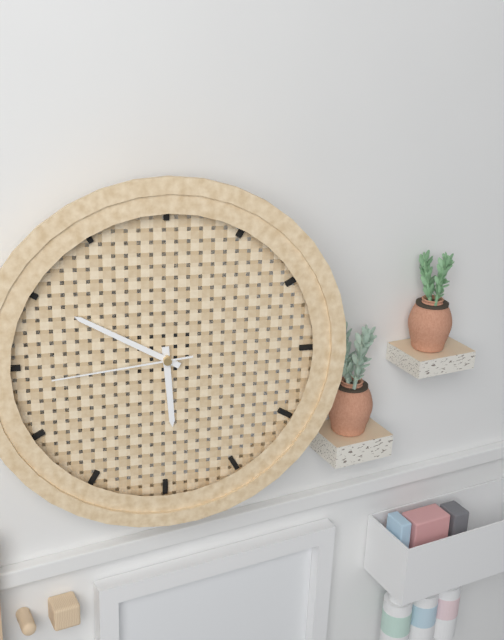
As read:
5,50,44
